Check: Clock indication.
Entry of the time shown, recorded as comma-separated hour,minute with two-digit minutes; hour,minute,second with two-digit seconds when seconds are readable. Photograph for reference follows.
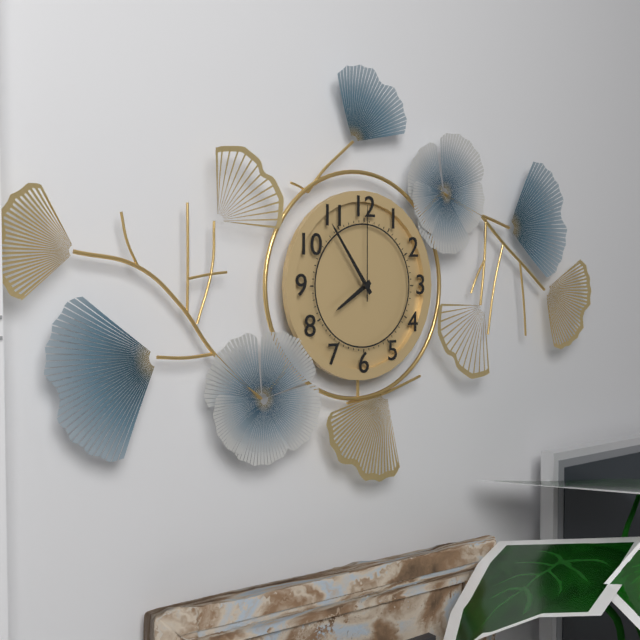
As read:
7,54,00
